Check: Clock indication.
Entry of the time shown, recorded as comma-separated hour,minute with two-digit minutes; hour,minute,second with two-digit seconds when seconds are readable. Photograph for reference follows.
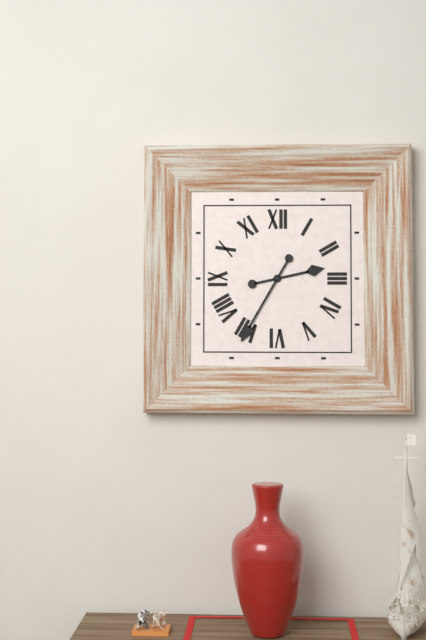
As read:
2,35
